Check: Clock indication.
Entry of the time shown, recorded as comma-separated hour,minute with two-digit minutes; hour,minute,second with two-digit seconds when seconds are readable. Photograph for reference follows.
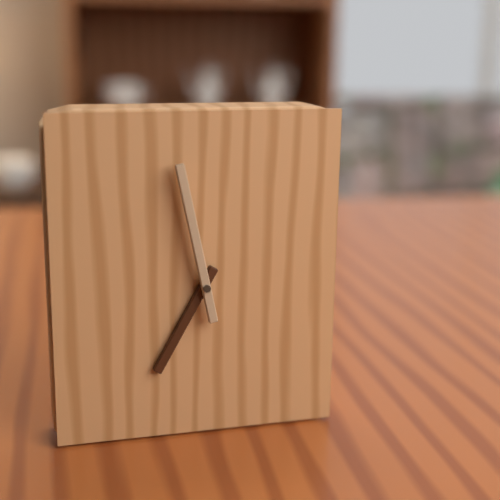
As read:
6,58
